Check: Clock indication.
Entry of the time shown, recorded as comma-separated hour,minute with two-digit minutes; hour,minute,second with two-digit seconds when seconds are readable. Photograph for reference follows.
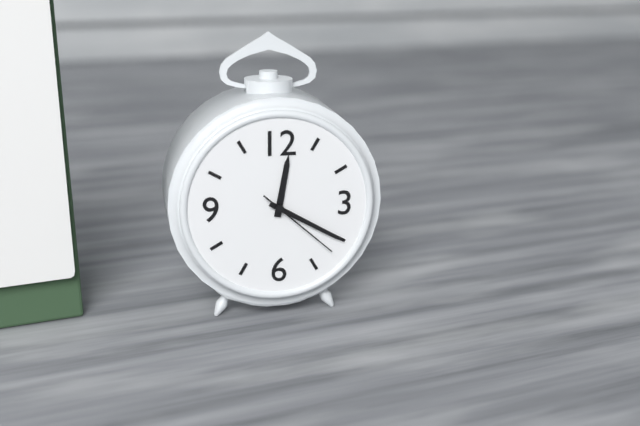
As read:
12,20,22
